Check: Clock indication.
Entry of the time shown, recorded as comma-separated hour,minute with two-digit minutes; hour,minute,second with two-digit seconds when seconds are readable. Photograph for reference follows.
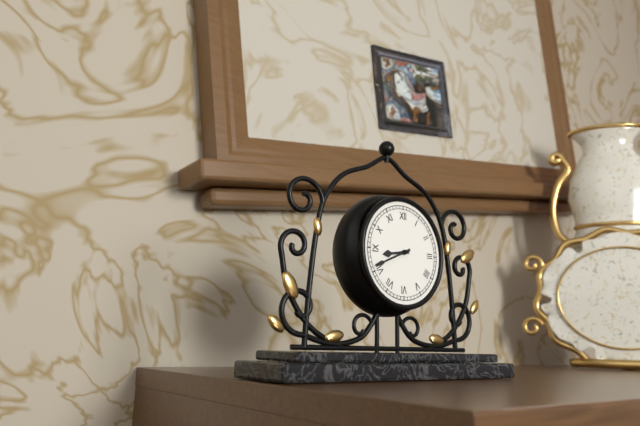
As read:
8,41
